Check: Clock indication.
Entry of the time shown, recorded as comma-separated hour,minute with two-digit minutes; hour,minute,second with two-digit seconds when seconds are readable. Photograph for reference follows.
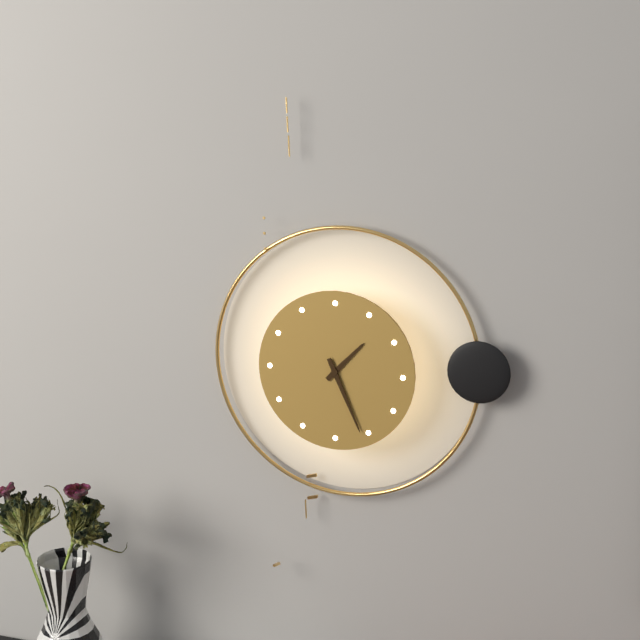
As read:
1,26
